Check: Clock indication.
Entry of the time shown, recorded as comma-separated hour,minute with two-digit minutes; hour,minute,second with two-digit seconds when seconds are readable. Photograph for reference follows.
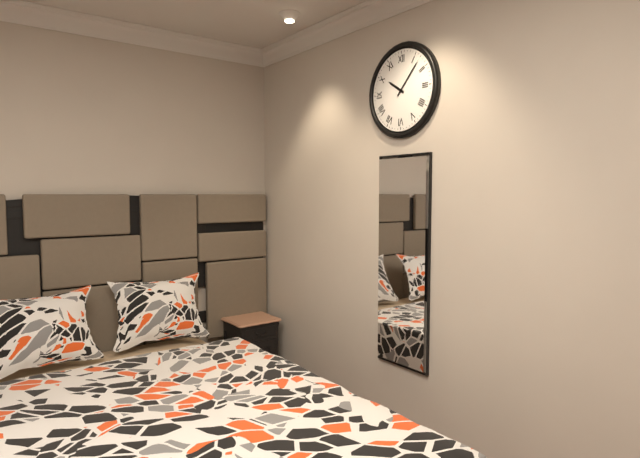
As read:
10,07
